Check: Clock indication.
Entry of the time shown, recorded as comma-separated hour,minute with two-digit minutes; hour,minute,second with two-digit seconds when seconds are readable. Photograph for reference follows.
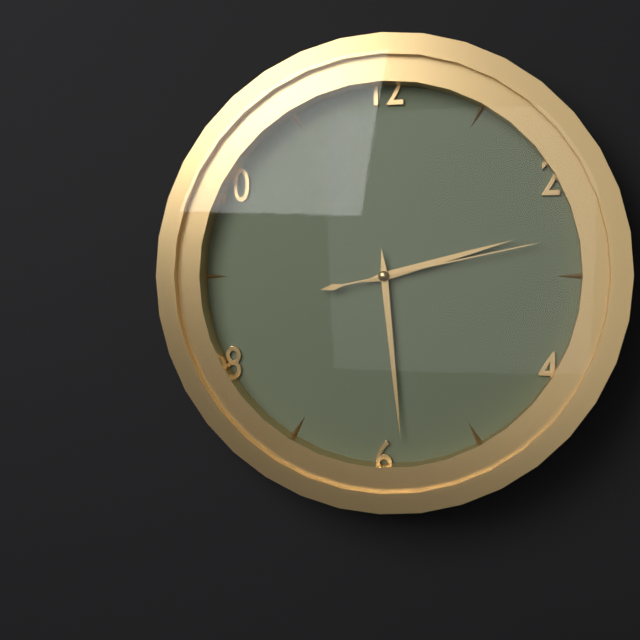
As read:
2,29,13
